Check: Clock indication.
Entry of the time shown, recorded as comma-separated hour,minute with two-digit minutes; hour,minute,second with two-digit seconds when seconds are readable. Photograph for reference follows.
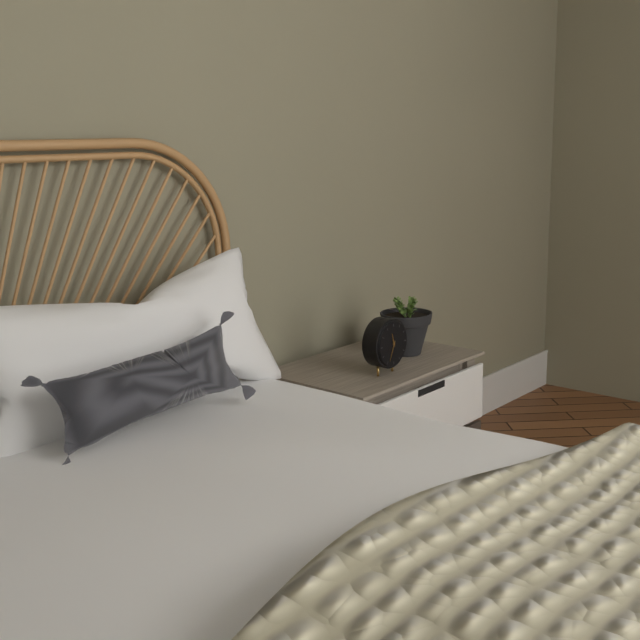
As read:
11,34
